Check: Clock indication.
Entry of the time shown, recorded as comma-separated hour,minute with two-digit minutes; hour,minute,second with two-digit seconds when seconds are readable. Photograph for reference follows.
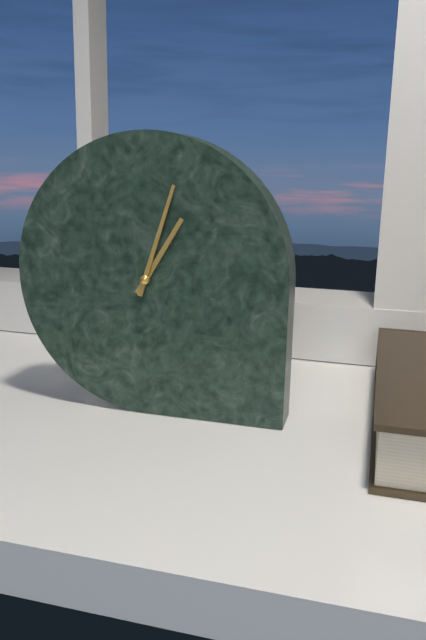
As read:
1,03
